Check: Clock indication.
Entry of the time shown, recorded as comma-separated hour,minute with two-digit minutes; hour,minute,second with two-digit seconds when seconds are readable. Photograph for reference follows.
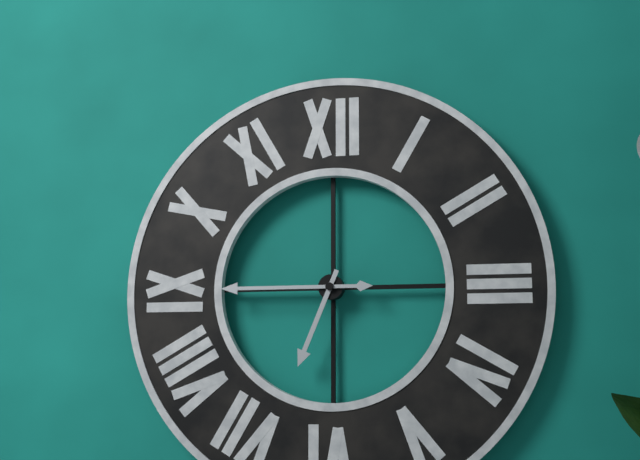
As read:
6,45
